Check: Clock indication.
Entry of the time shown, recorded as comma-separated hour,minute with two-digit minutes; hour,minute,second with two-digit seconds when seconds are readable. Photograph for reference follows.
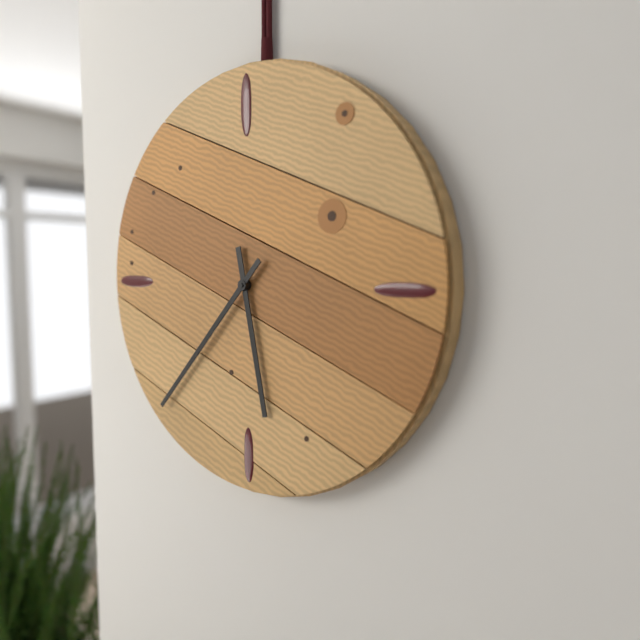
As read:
5,37
